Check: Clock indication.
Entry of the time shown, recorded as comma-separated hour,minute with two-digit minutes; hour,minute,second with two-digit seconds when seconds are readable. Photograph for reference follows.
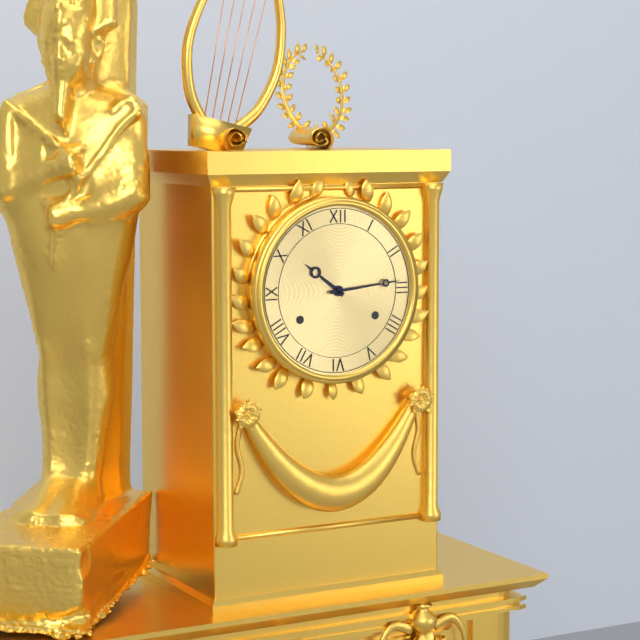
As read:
10,14
